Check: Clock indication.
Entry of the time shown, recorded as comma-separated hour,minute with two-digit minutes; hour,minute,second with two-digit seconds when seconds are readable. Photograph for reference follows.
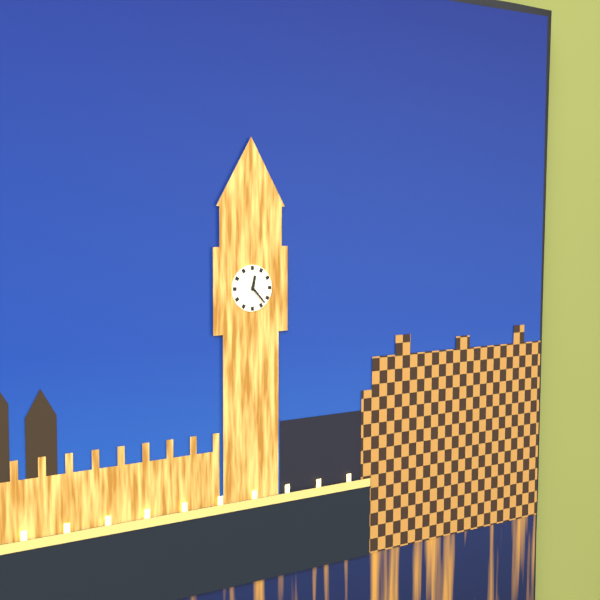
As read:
12,23
